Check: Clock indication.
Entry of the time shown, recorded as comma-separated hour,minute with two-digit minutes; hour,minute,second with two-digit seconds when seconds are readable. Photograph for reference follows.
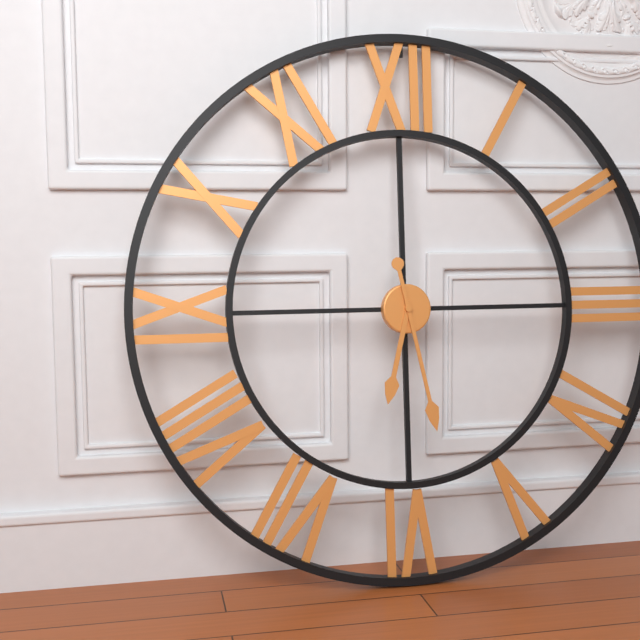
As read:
6,28
